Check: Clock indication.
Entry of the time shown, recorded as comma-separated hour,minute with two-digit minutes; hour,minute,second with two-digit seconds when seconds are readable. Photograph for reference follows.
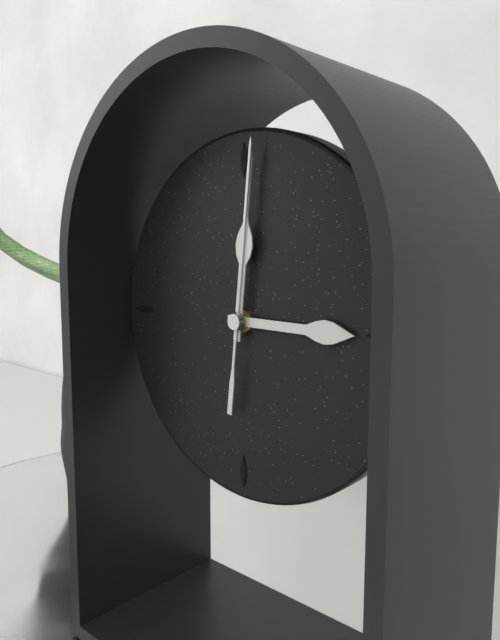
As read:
3,01,01
